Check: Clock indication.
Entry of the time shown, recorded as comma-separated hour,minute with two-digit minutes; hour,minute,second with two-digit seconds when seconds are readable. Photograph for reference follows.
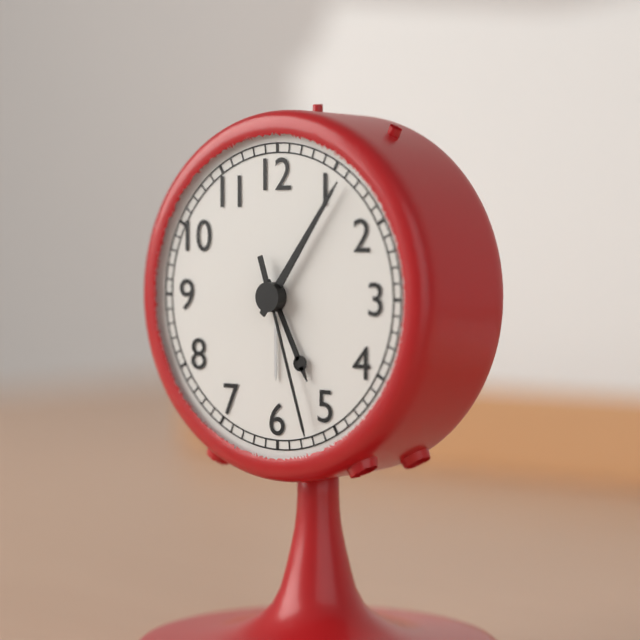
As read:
5,06,27
